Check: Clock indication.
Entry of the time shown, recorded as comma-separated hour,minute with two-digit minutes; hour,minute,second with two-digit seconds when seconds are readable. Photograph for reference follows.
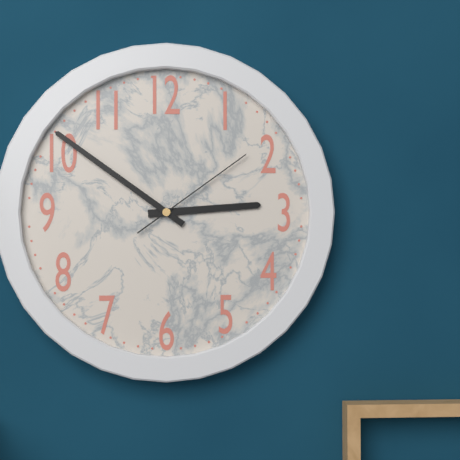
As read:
2,51,09
